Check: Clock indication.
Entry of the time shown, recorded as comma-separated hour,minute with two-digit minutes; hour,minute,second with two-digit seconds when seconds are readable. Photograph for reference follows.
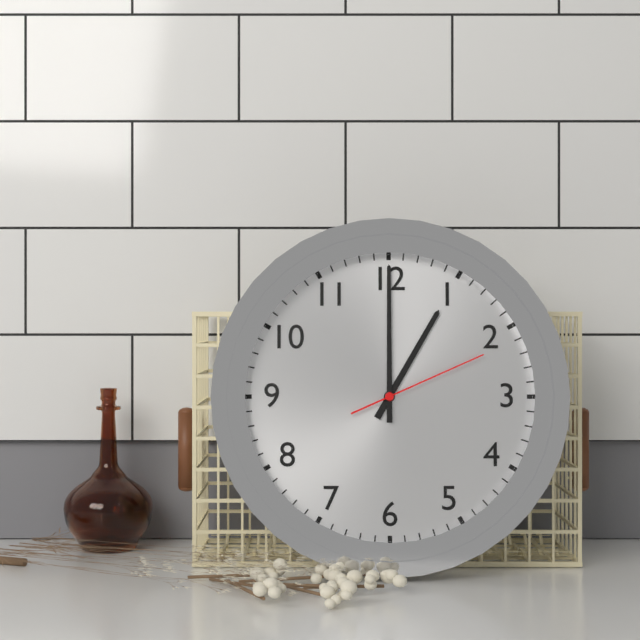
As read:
1,00,11
